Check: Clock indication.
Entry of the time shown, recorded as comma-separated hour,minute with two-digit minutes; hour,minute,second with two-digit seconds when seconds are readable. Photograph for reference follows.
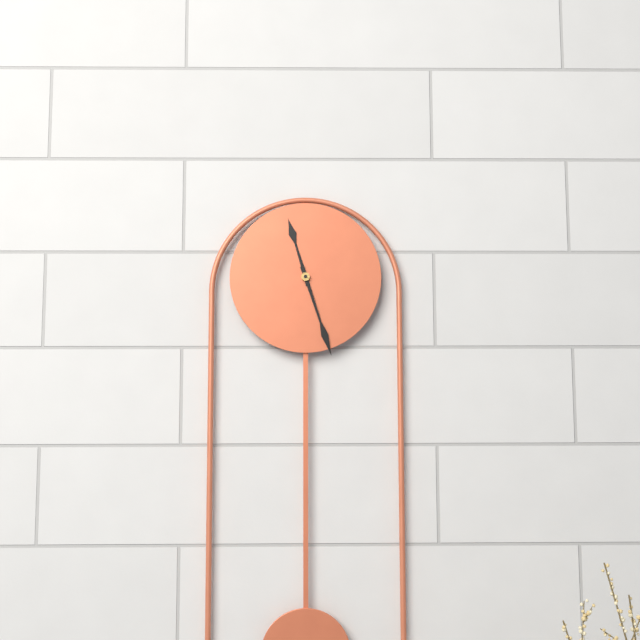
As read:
11,27
